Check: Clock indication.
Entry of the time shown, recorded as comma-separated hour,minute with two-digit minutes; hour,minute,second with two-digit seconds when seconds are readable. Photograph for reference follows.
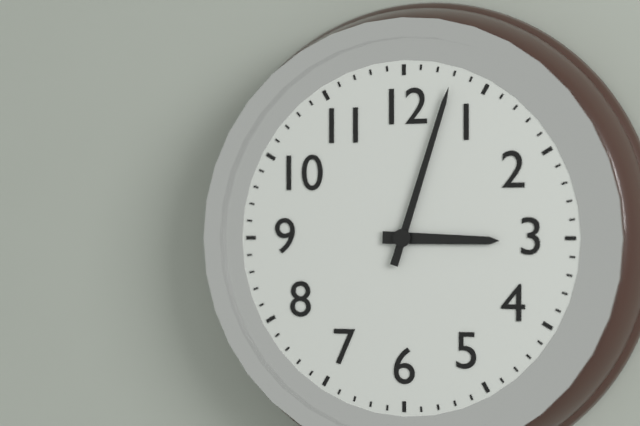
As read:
3,03
